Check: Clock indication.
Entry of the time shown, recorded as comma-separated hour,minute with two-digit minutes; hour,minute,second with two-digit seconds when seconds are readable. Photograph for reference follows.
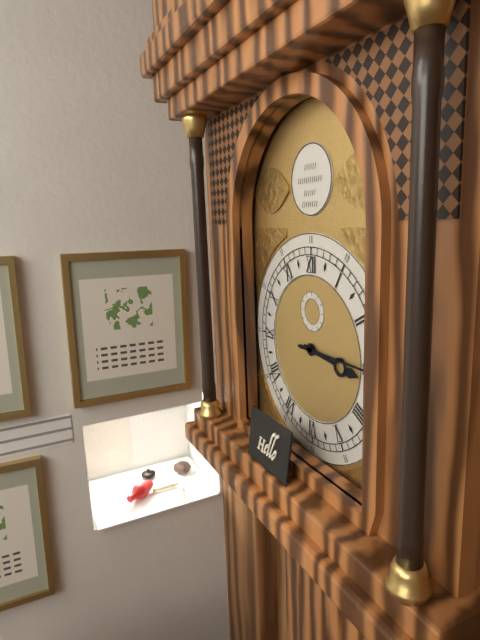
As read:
3,15
